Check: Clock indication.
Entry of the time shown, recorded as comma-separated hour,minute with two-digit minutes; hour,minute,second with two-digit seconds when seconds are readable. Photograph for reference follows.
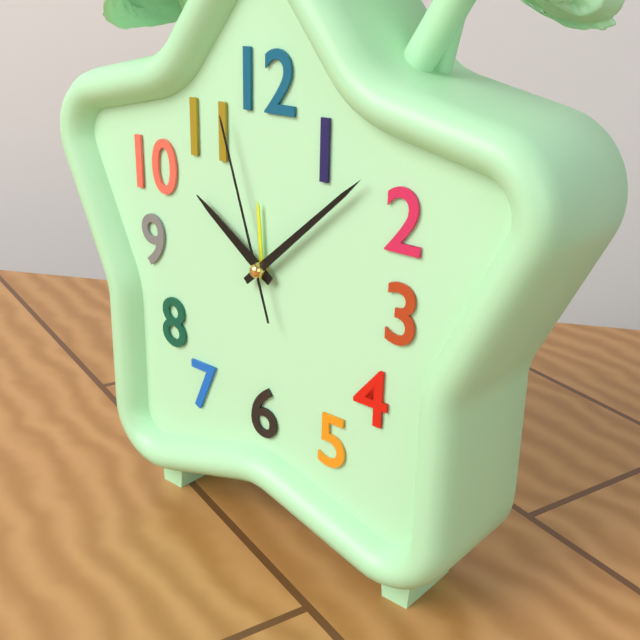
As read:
10,08,57
